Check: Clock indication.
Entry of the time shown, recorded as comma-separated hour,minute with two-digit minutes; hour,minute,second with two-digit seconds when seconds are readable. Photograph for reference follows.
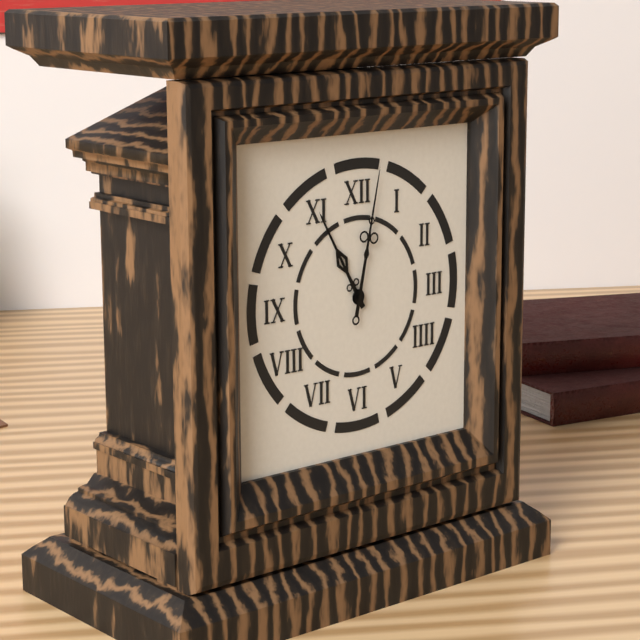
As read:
11,02
